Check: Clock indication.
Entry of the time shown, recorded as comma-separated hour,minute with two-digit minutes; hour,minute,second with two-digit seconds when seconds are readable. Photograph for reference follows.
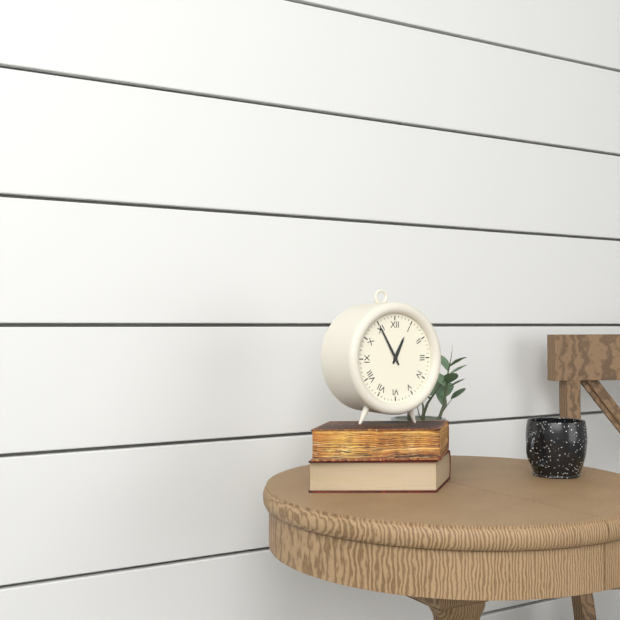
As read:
12,55
